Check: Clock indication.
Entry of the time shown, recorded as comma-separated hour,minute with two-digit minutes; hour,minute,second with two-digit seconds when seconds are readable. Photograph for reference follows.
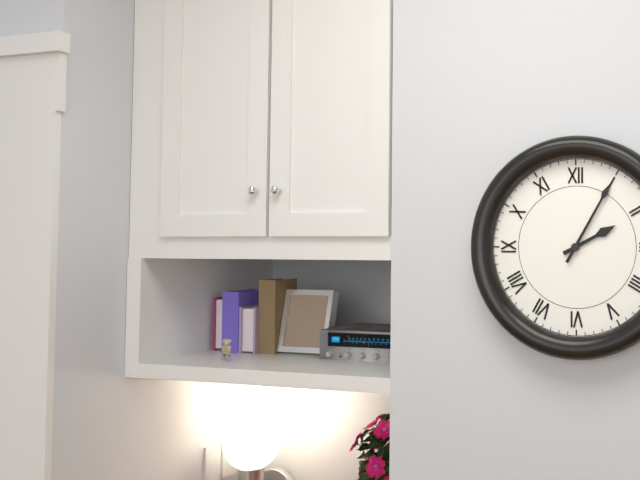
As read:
2,05
